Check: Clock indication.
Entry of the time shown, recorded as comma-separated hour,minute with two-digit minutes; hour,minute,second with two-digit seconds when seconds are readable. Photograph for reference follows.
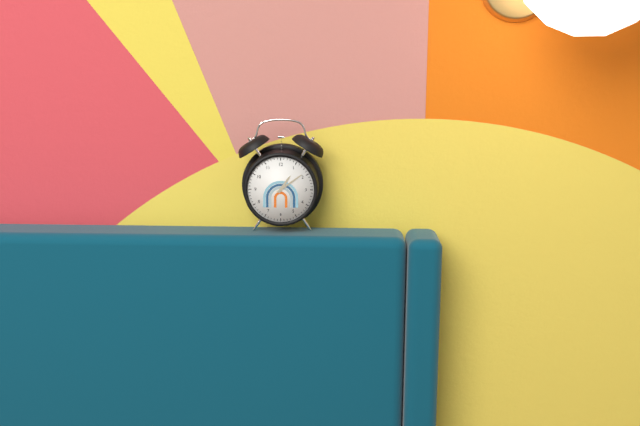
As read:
1,09
